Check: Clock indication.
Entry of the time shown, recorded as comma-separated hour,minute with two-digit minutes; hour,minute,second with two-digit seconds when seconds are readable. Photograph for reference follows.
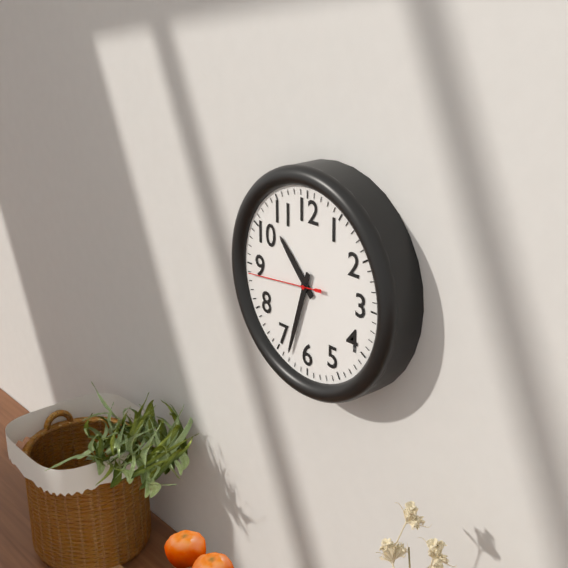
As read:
10,33,44
